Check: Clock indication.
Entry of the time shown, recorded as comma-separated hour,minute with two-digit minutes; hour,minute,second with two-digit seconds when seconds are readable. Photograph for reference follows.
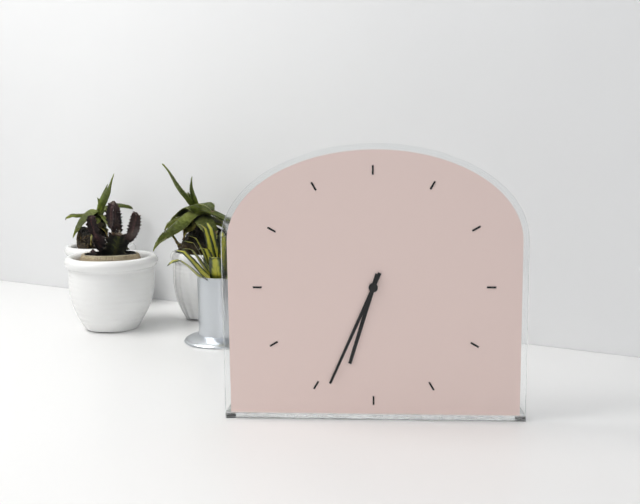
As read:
6,34
